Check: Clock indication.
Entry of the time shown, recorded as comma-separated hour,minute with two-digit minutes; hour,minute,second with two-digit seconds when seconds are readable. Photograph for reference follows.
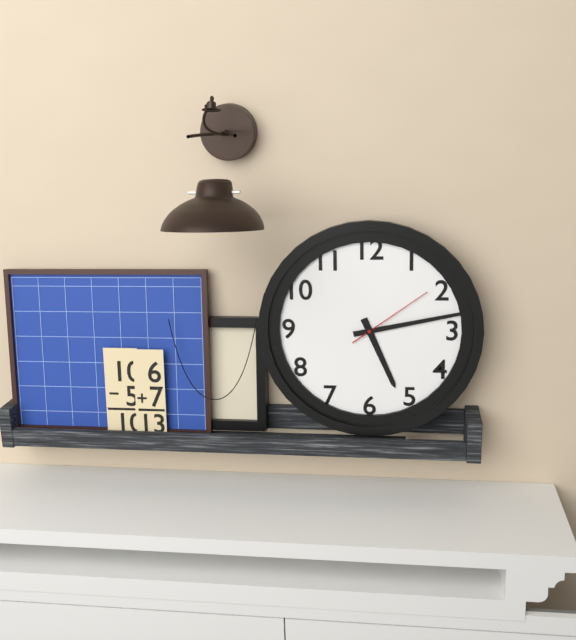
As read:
5,13,09
